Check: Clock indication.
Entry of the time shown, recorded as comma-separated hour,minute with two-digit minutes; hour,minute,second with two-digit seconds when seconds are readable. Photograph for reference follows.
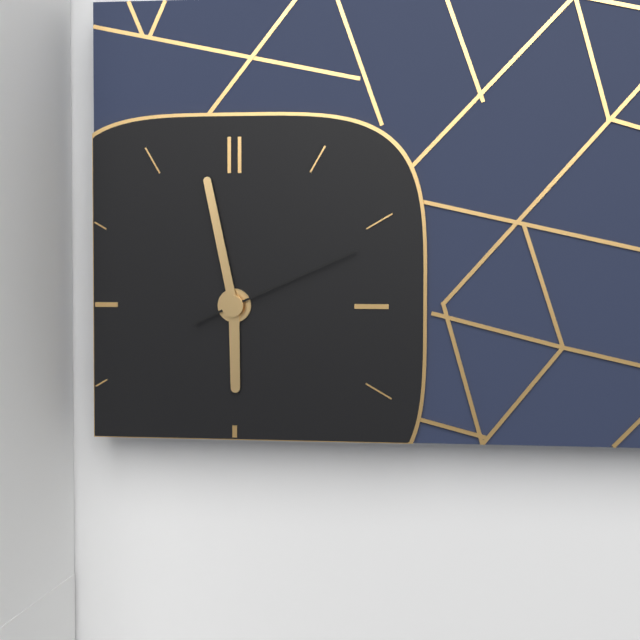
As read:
5,58,11
